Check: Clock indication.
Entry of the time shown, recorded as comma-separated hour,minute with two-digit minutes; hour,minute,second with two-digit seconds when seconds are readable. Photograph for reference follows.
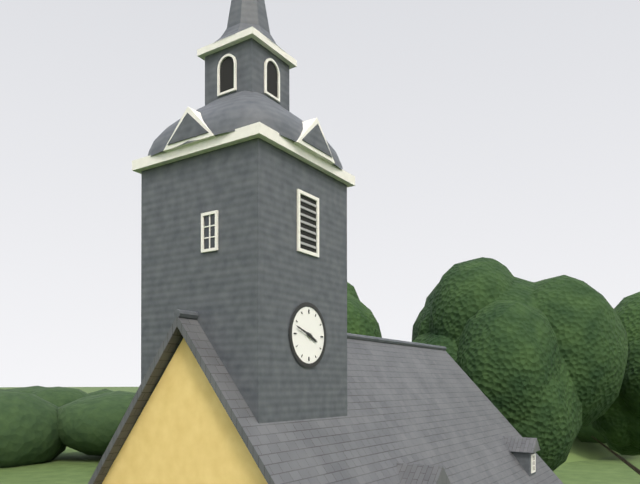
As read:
3,48
